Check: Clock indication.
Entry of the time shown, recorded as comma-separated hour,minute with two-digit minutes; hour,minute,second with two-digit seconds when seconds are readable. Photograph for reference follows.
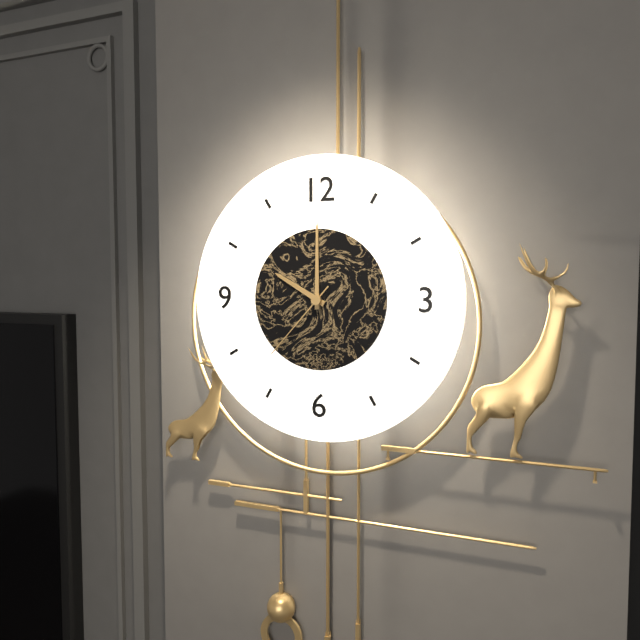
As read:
10,00,37
